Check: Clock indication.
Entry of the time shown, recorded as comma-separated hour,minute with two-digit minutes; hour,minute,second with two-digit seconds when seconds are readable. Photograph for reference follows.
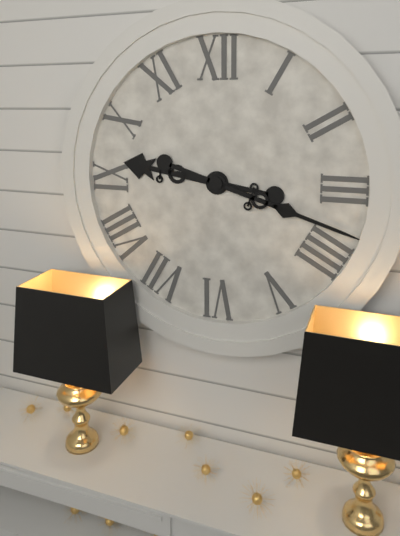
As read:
9,18
